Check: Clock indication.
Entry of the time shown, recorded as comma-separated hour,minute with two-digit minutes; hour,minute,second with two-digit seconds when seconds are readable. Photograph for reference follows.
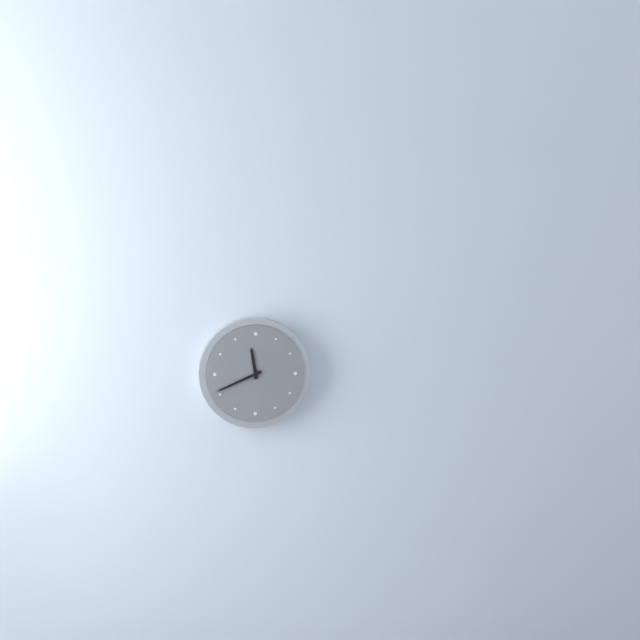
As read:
11,41
